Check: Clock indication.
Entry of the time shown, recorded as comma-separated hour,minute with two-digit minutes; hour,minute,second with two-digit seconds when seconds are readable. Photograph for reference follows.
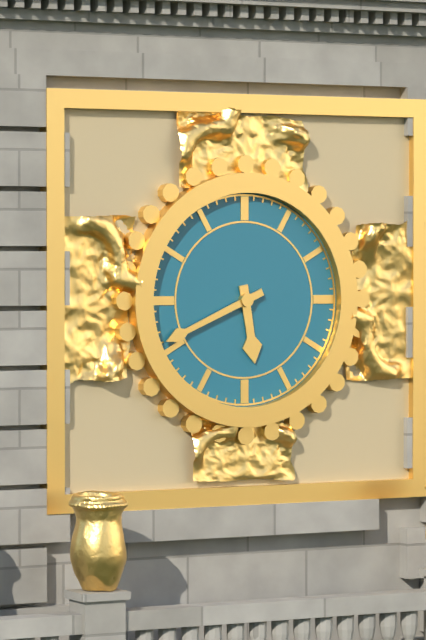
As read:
5,41
